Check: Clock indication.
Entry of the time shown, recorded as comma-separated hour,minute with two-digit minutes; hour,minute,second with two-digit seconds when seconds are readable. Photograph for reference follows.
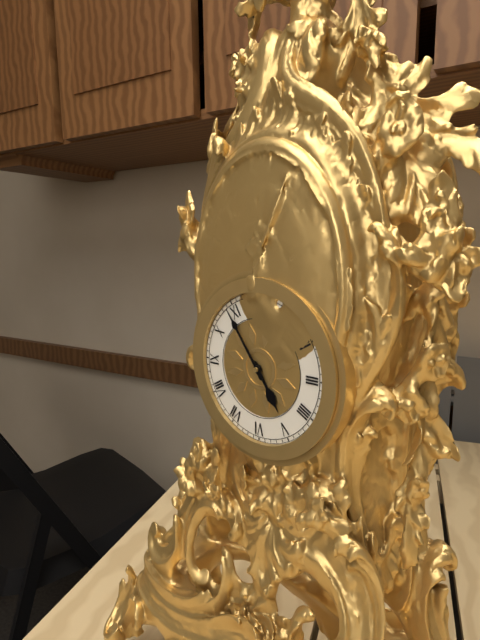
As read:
4,54
